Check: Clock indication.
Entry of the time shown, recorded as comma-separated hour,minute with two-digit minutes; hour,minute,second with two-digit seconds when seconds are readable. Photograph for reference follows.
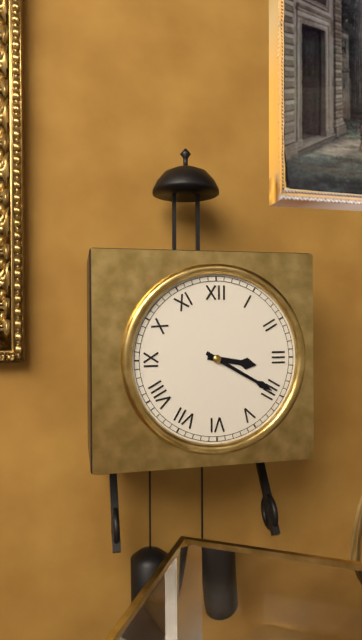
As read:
3,20
